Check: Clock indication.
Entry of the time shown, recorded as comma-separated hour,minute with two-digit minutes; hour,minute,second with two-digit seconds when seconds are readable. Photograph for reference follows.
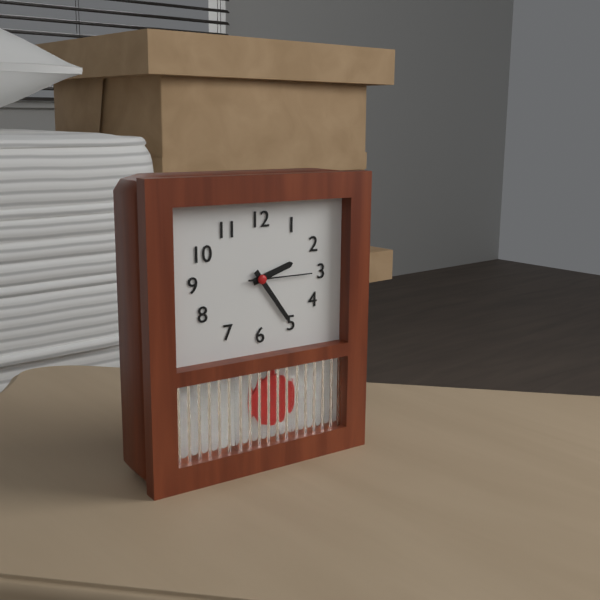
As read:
2,24,15
